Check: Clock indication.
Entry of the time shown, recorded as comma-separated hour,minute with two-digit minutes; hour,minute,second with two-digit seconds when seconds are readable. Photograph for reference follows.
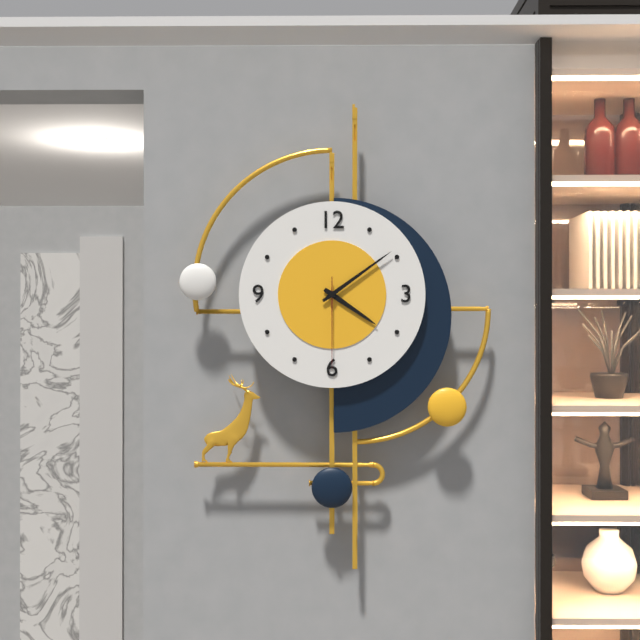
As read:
4,09,30
